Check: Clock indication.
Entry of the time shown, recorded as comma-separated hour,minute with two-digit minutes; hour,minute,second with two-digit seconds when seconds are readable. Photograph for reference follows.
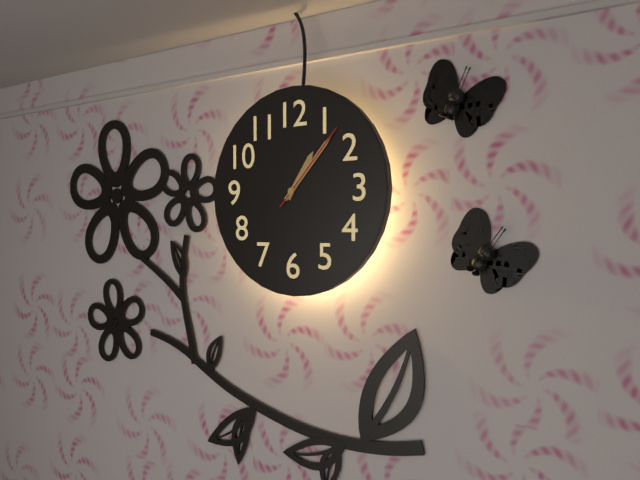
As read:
1,07,07
